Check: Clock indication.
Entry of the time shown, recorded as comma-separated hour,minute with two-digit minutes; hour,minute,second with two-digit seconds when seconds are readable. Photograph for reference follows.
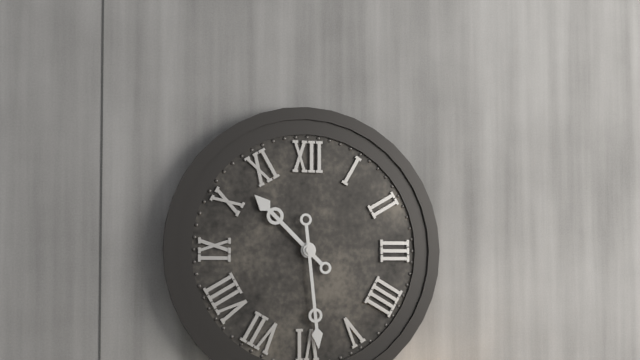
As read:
10,29
